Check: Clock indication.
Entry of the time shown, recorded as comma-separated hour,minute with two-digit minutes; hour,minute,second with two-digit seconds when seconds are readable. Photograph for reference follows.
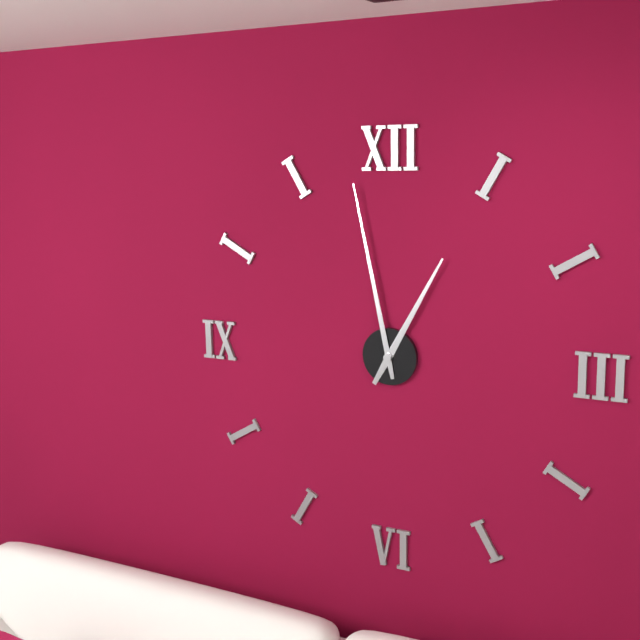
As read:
12,58
